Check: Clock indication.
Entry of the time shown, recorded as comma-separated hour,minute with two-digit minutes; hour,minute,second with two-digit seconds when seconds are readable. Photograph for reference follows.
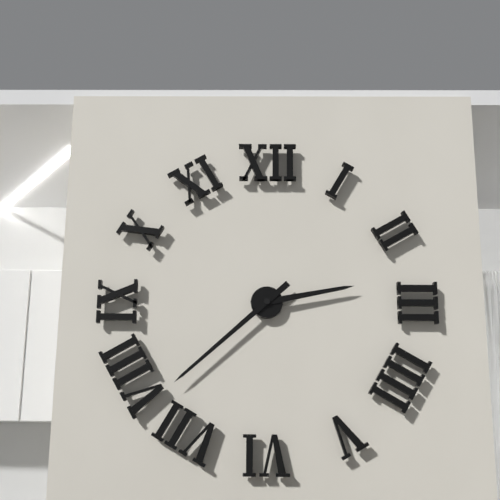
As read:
2,38
